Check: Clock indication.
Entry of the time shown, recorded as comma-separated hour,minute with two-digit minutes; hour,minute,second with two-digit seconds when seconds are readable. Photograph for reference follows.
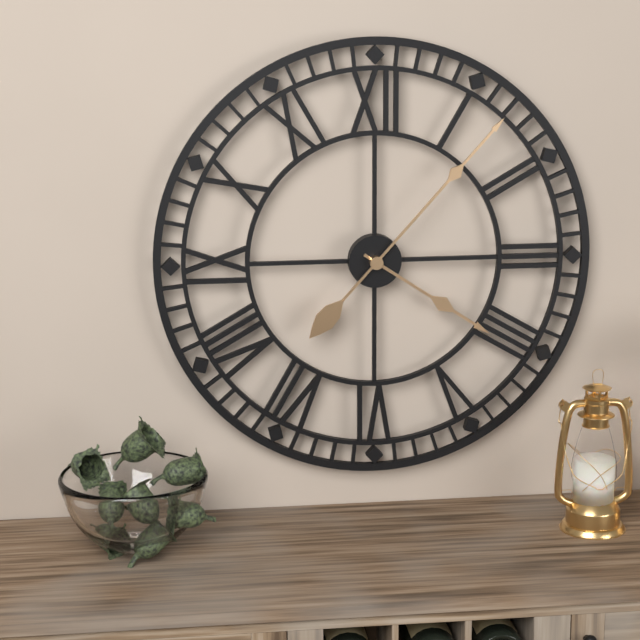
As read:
4,07
